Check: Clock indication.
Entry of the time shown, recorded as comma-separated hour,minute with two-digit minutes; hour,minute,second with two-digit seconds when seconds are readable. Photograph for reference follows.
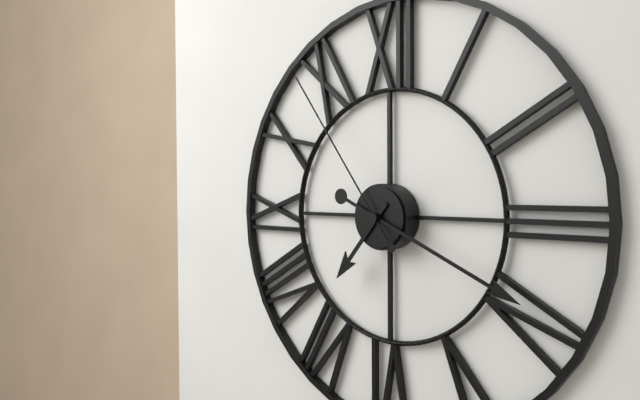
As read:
7,19,54
